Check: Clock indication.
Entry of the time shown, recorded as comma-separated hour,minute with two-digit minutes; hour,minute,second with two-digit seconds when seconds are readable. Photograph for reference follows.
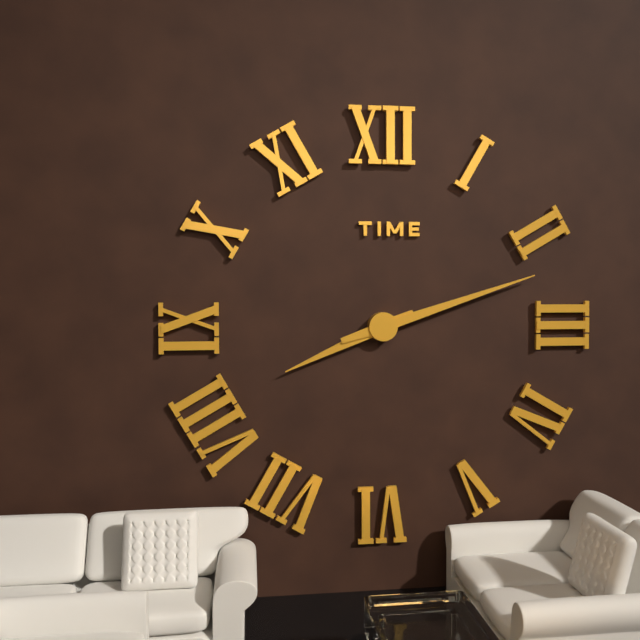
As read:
8,12
